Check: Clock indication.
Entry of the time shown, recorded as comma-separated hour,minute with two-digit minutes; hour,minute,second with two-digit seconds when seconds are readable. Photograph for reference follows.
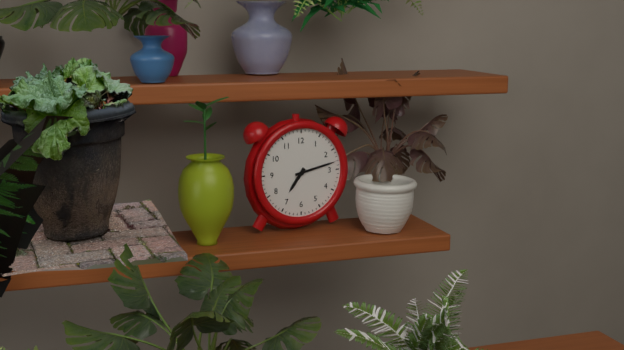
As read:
7,13
